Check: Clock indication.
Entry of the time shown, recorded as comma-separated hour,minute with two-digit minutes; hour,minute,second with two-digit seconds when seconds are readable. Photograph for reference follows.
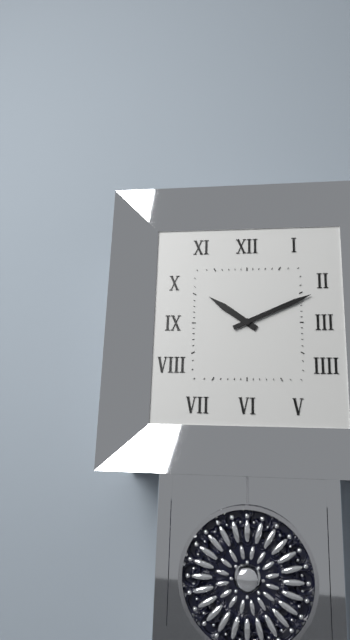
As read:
10,11
